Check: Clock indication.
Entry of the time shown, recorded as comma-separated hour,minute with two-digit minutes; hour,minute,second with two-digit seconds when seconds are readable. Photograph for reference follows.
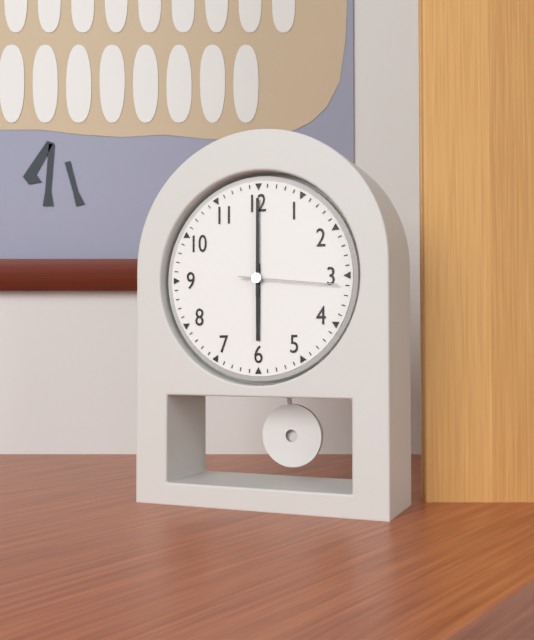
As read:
6,00,16
